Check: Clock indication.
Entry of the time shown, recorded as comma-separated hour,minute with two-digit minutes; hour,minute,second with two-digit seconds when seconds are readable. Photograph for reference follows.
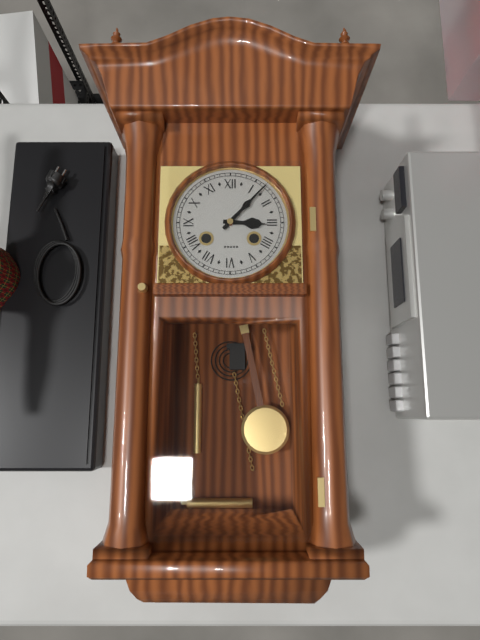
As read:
3,07
